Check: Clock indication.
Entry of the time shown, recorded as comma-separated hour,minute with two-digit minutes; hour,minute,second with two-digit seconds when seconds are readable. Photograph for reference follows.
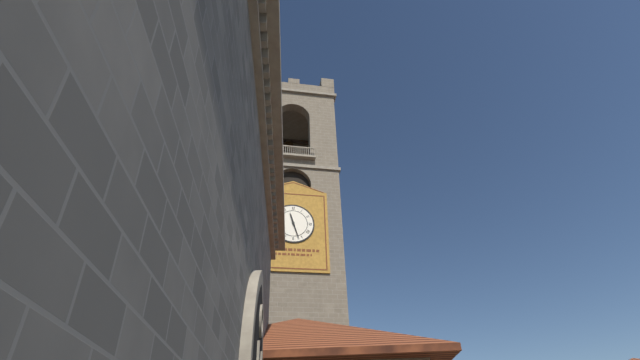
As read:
11,27
